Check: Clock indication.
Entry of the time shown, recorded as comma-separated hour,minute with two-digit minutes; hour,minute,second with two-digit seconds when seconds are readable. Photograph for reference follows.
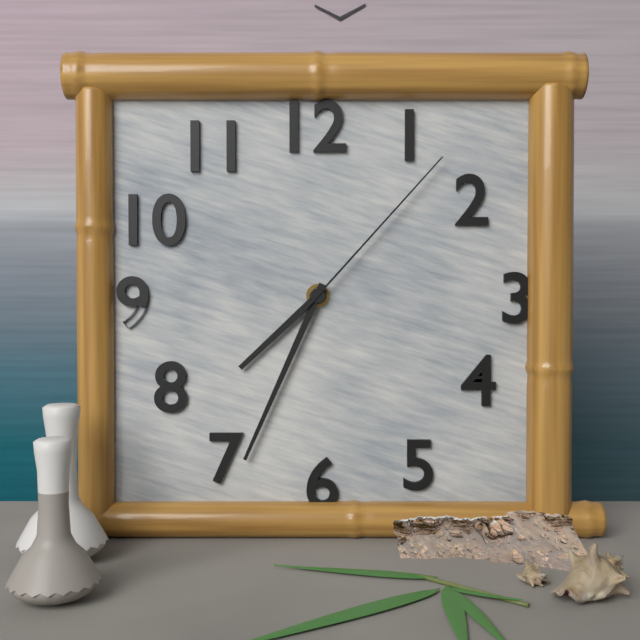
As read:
7,34,07
